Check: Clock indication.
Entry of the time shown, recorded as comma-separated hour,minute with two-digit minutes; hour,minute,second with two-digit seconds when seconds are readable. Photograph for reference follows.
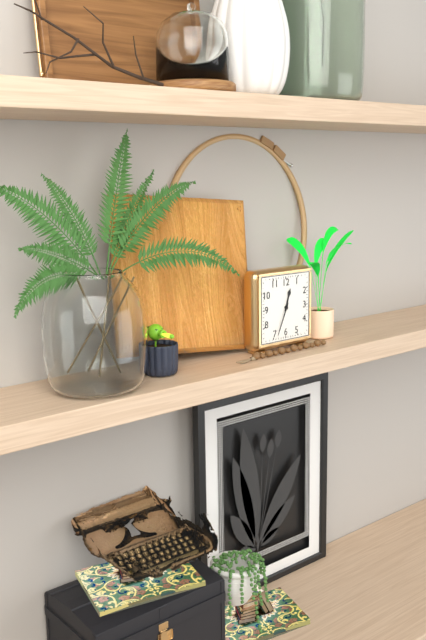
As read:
12,34
